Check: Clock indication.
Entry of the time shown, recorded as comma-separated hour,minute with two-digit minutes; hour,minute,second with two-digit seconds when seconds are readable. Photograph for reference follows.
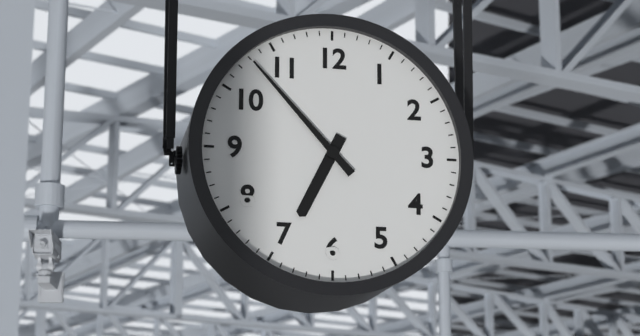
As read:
6,53
